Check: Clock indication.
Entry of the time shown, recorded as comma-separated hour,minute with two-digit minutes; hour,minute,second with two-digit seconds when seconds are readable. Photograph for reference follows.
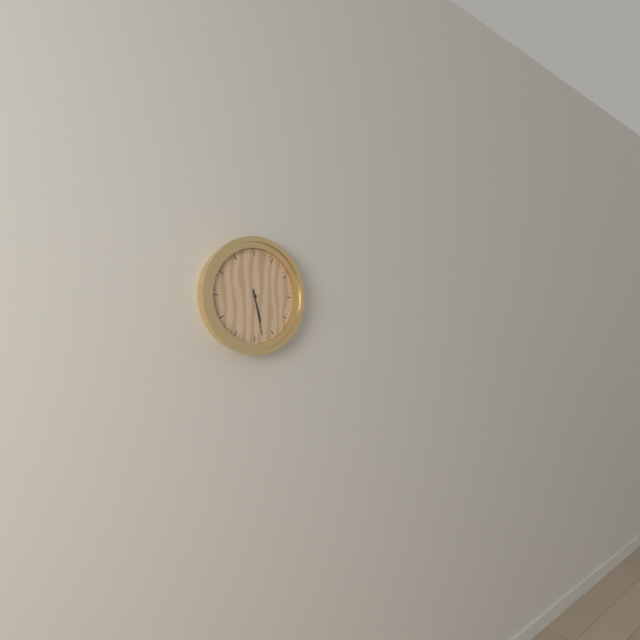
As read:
5,28
